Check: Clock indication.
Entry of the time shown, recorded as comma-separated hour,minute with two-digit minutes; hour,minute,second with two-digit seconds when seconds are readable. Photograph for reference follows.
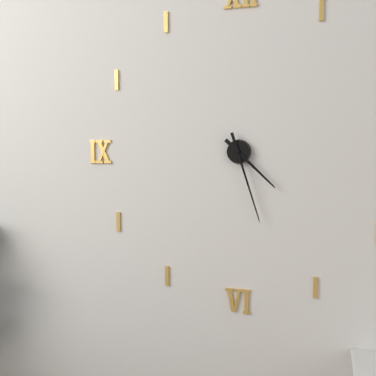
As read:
4,27
